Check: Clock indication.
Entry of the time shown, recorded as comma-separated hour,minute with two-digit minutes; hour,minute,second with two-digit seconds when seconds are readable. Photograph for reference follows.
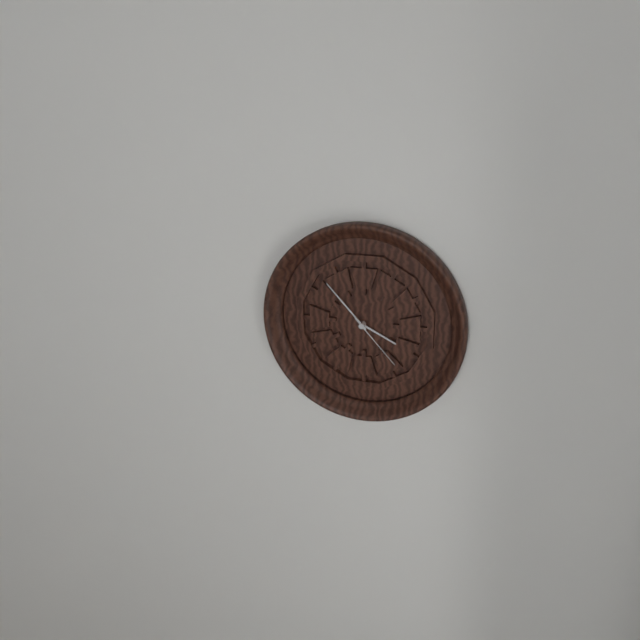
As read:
3,53,23
